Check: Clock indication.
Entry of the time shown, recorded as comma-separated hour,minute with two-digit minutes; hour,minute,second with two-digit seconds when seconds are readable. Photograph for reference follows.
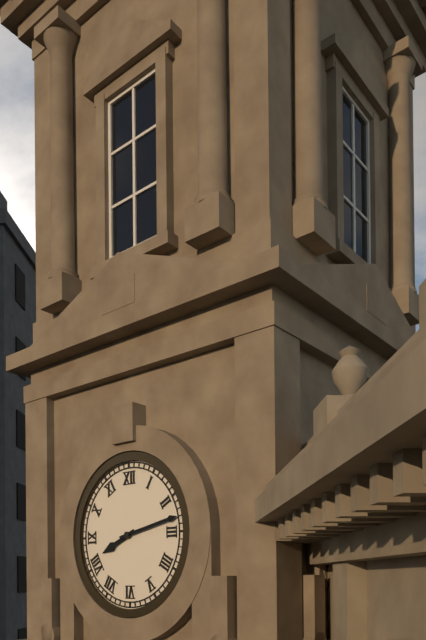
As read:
8,13
